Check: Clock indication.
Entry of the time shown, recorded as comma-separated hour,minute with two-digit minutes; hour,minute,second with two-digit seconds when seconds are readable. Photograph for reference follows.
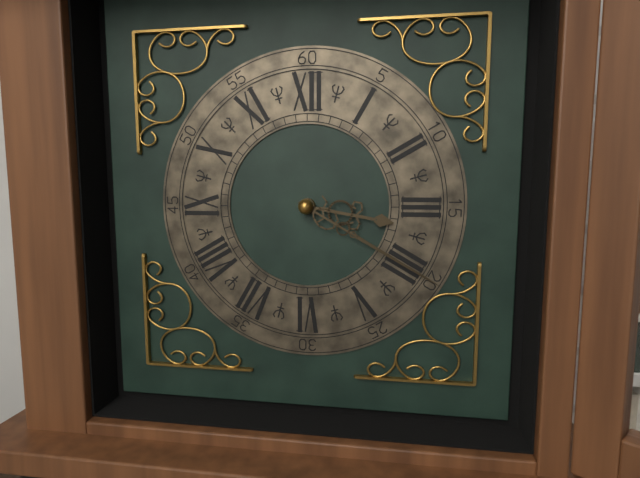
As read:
3,20
